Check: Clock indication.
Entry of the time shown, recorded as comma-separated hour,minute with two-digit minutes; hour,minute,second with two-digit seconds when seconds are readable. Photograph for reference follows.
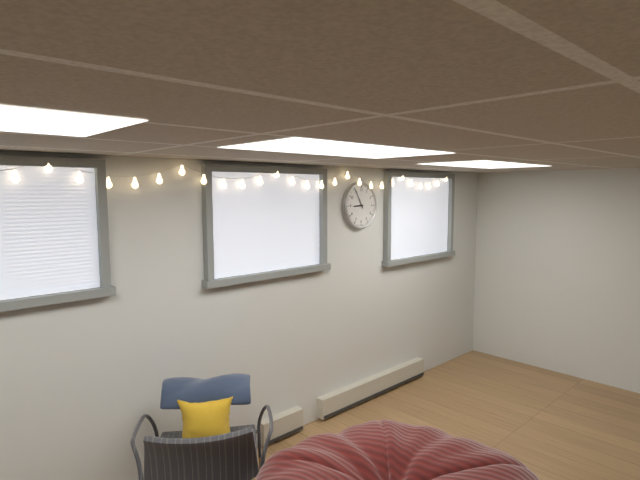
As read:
8,55
